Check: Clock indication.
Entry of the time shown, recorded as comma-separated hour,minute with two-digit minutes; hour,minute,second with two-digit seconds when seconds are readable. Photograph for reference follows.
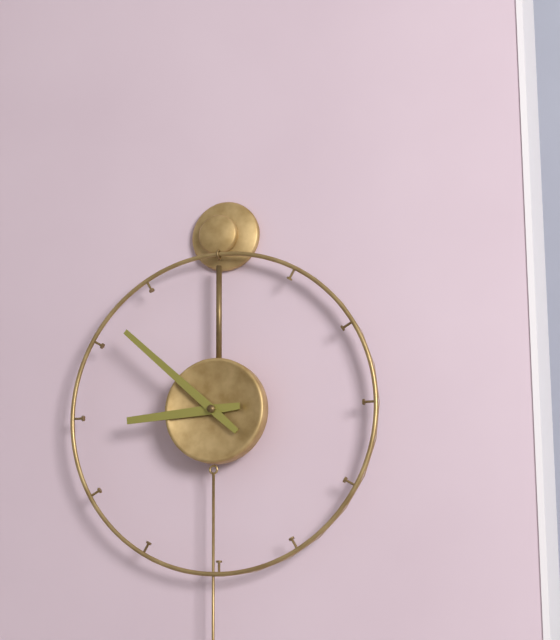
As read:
8,52
